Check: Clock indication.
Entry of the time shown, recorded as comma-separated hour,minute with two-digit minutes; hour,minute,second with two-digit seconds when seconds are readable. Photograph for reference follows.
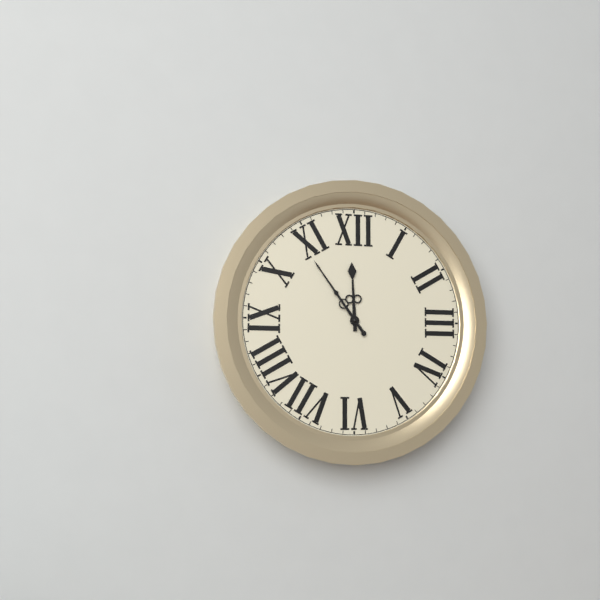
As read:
11,54
